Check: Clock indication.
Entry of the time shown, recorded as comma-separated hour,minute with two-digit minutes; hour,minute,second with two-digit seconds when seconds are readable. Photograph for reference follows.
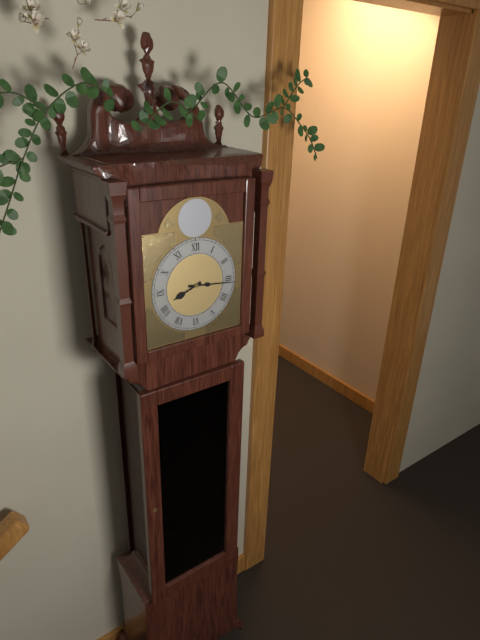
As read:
8,16
